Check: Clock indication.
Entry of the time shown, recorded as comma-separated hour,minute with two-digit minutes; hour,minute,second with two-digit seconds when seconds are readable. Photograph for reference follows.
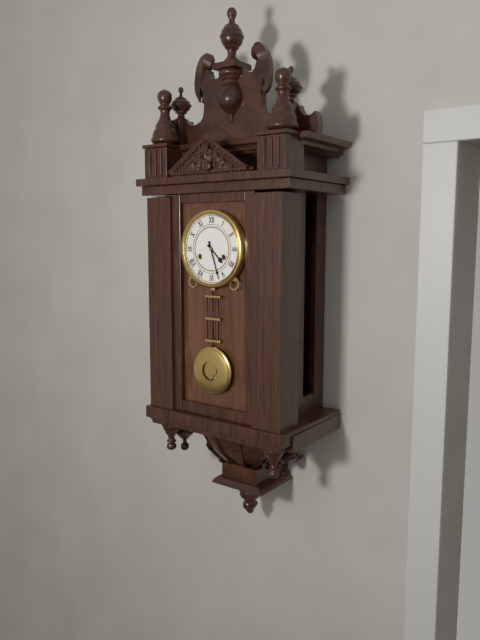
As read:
4,27
